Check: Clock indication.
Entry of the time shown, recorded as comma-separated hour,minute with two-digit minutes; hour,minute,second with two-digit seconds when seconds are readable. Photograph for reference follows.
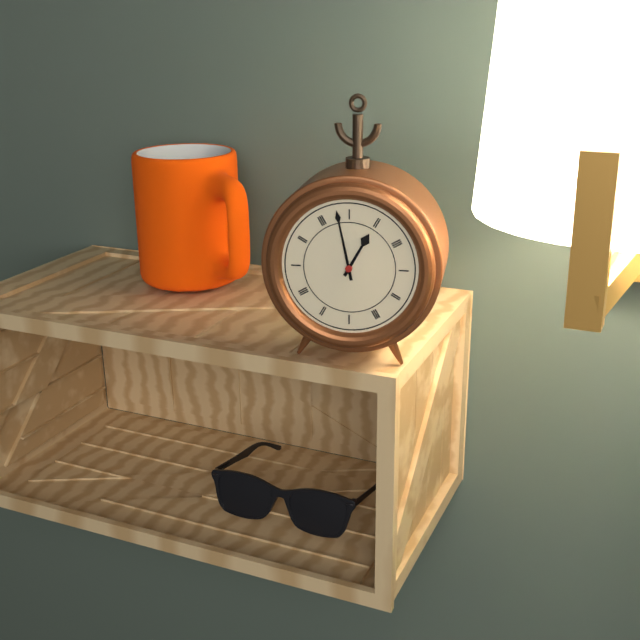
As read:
12,58
